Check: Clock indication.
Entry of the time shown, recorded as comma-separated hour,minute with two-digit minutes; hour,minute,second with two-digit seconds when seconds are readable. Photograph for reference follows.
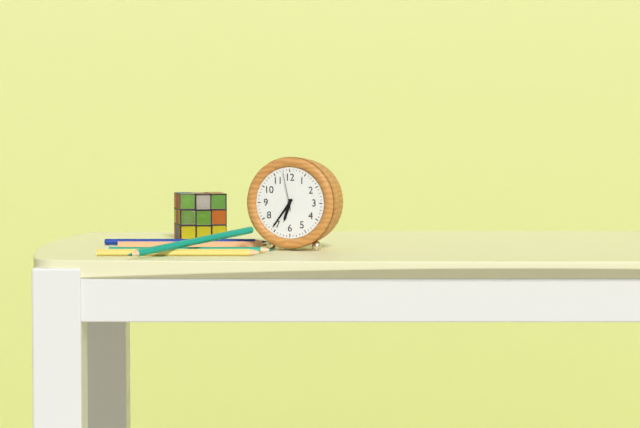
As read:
6,36
